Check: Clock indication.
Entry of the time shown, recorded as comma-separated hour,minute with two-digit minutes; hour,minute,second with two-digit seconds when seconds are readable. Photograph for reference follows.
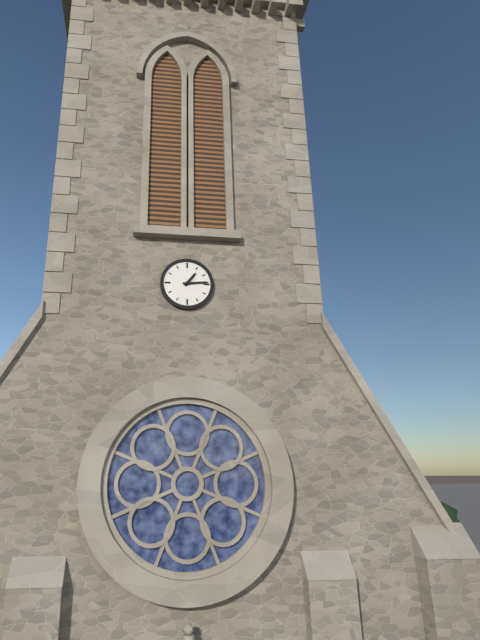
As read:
1,14
